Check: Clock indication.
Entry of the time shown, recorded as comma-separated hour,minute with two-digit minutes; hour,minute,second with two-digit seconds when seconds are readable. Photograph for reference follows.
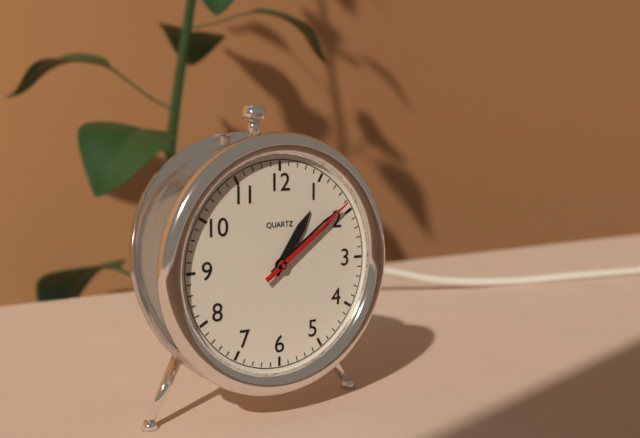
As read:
1,09,09
